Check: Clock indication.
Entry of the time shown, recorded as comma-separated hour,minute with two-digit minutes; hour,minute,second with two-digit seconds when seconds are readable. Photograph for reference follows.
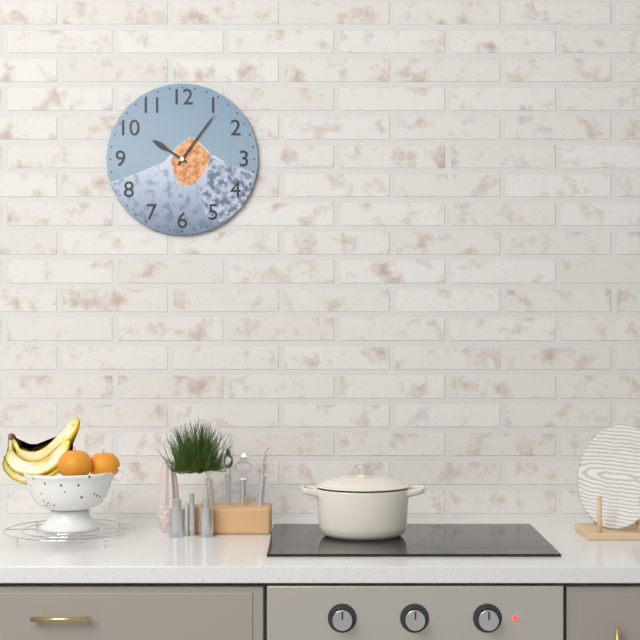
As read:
10,06
